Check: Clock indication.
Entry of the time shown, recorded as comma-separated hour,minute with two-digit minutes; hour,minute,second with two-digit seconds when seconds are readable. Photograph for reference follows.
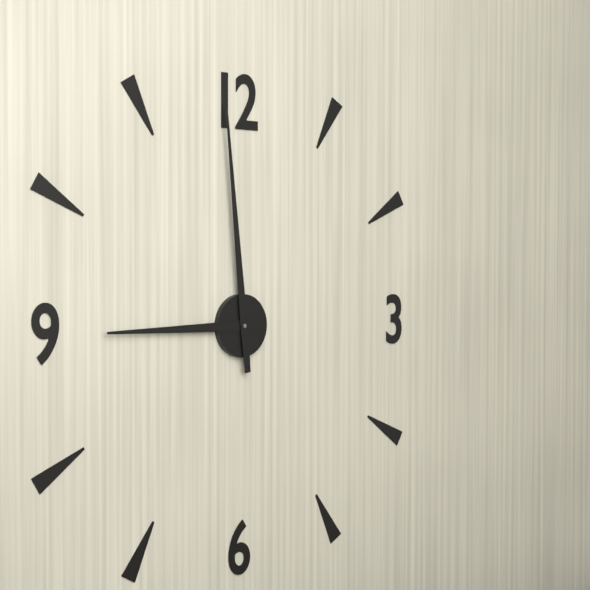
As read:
8,59
